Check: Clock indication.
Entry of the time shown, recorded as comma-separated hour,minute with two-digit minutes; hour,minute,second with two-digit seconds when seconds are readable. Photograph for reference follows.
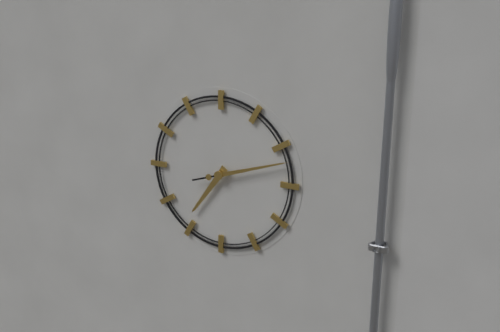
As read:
7,12
